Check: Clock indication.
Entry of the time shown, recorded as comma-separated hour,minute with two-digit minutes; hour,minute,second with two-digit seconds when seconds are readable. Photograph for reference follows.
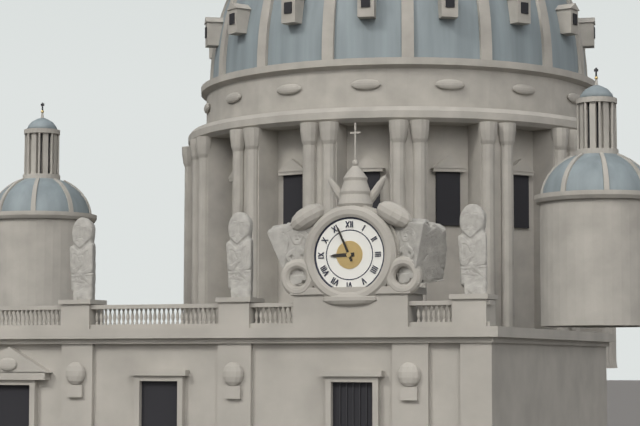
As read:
8,56
